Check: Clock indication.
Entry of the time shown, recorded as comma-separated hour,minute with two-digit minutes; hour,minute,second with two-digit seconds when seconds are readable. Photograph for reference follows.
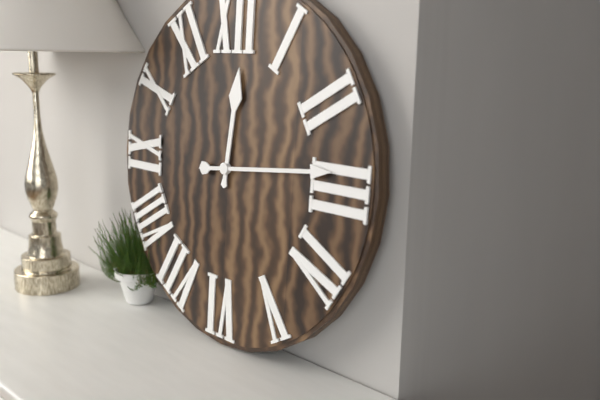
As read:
12,14
